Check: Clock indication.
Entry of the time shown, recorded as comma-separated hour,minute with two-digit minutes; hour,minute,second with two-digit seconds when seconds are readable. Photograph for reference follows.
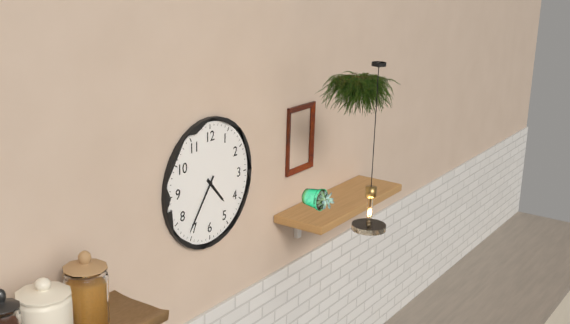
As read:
4,36
